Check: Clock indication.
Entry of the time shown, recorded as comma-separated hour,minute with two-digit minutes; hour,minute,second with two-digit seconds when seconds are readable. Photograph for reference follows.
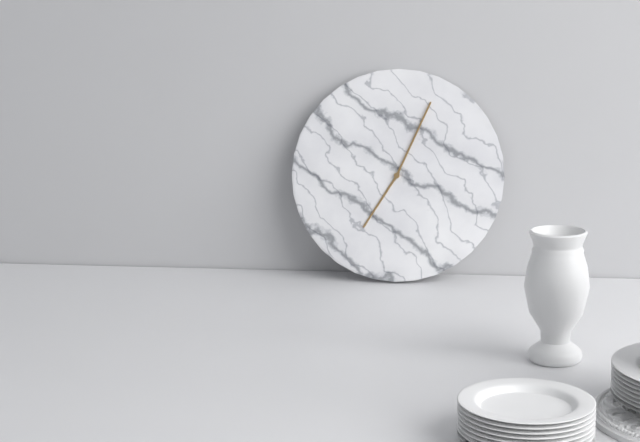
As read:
7,04
